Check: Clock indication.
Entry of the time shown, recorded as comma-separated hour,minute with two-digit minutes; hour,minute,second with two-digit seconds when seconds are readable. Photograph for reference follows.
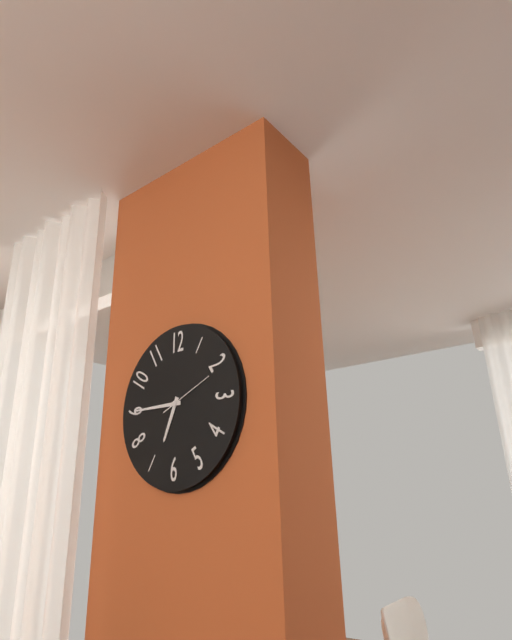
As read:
6,45,11
